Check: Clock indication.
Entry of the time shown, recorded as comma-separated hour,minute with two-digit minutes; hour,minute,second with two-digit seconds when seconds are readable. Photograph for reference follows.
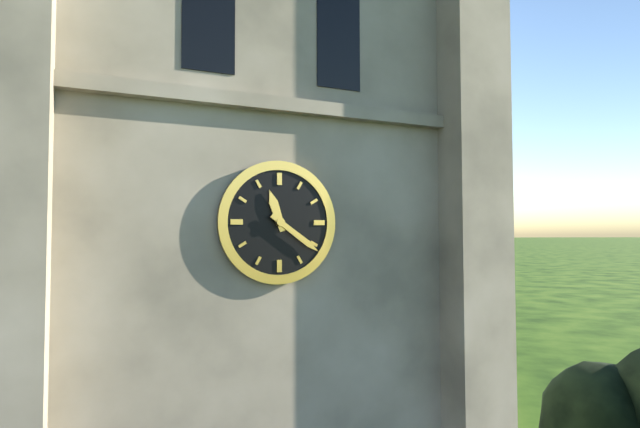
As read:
11,21
